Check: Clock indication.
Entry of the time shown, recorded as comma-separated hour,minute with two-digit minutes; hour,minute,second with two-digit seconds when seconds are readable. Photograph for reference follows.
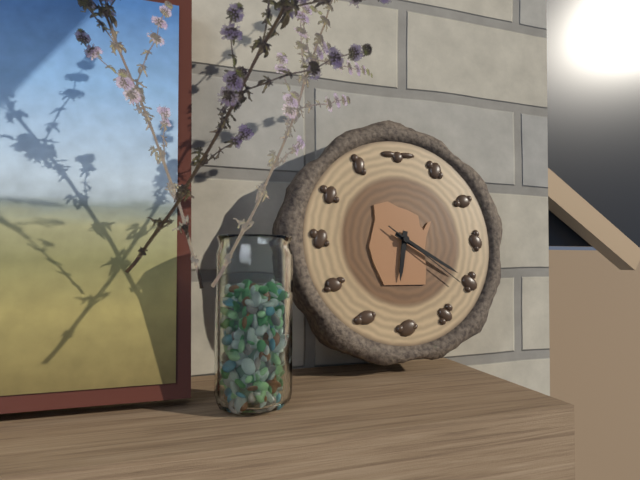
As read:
6,20,21
